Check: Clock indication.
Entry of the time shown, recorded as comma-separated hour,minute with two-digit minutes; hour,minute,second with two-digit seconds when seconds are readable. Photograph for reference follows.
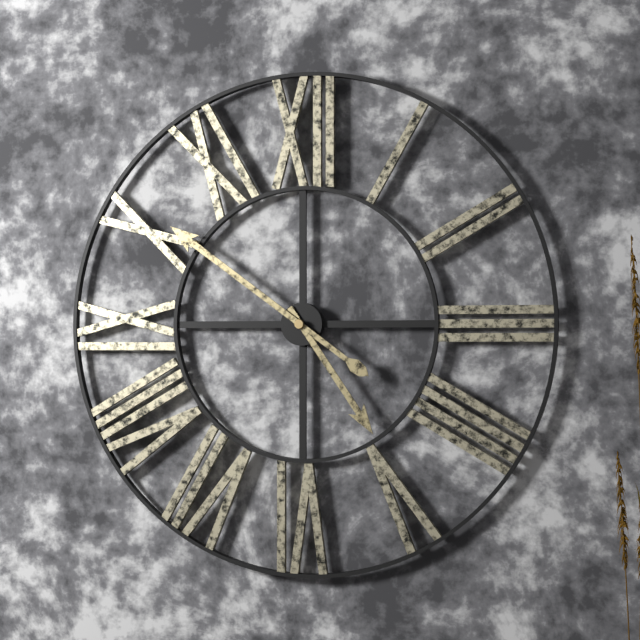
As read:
4,51
